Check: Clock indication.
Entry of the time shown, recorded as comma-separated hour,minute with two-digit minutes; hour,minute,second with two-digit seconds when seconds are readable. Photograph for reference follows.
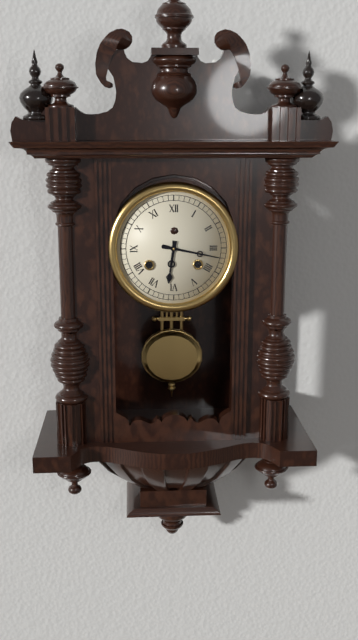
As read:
6,17
